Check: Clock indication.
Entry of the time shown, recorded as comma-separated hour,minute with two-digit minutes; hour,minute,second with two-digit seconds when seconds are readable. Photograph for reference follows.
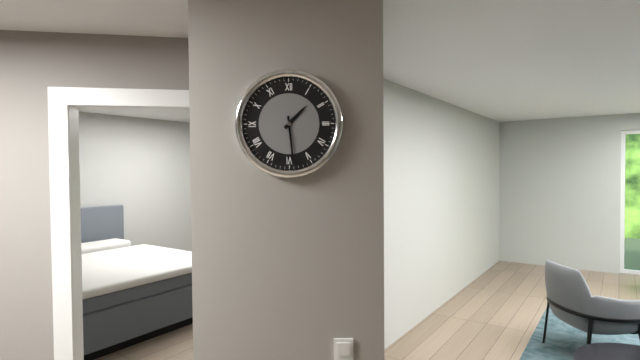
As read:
1,29
